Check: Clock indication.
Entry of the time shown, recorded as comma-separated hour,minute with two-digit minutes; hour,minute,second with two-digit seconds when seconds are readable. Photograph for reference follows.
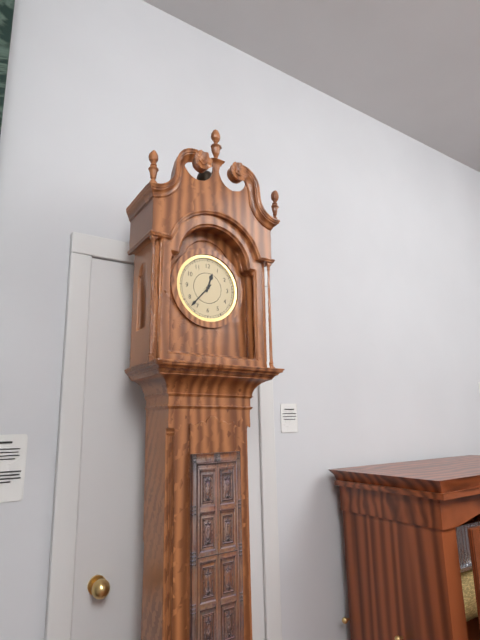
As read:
12,37
